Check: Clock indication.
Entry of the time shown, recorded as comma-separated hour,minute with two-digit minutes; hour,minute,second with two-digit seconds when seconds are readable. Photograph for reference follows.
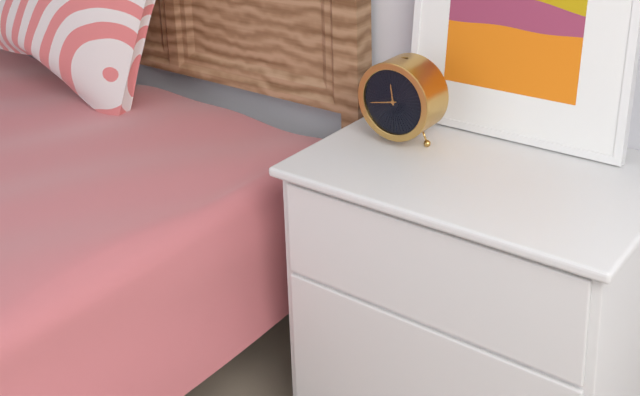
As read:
11,43
